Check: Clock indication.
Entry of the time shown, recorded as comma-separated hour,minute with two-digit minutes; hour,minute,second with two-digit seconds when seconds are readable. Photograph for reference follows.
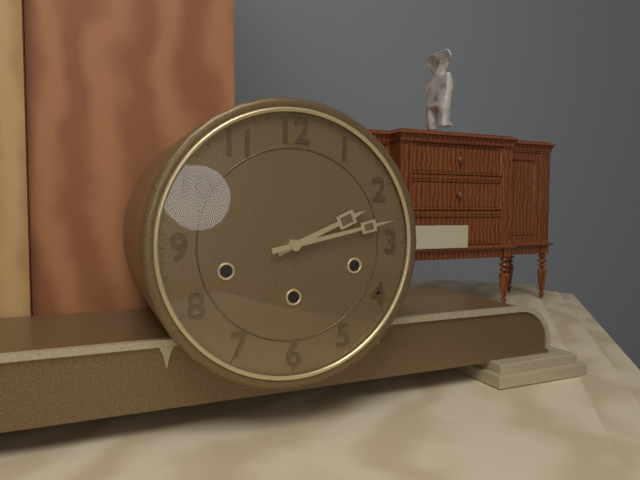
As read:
2,13
